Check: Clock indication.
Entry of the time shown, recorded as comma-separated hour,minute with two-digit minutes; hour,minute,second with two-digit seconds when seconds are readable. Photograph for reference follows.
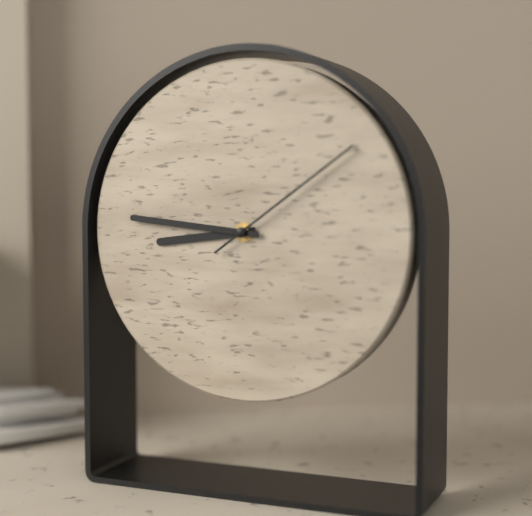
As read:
8,46,09
